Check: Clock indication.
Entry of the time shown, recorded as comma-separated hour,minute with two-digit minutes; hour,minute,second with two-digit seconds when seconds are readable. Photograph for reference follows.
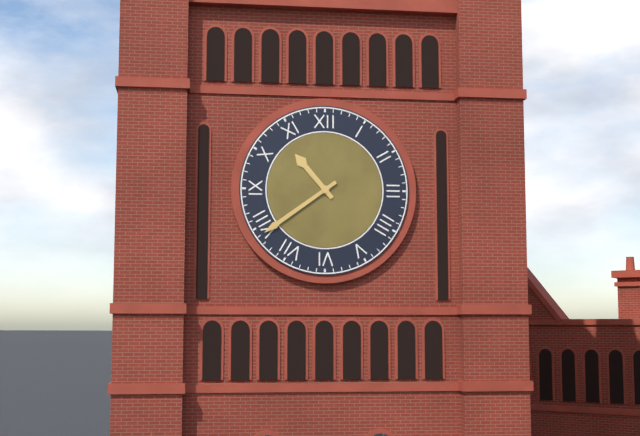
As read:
10,39
